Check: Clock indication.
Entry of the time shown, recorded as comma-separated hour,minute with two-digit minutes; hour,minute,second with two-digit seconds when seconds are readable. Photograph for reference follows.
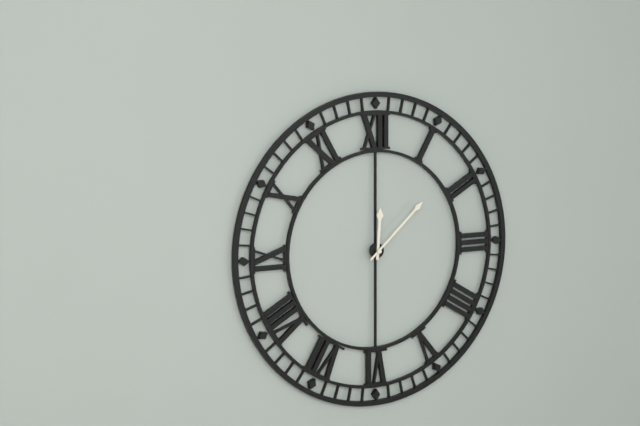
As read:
12,08
